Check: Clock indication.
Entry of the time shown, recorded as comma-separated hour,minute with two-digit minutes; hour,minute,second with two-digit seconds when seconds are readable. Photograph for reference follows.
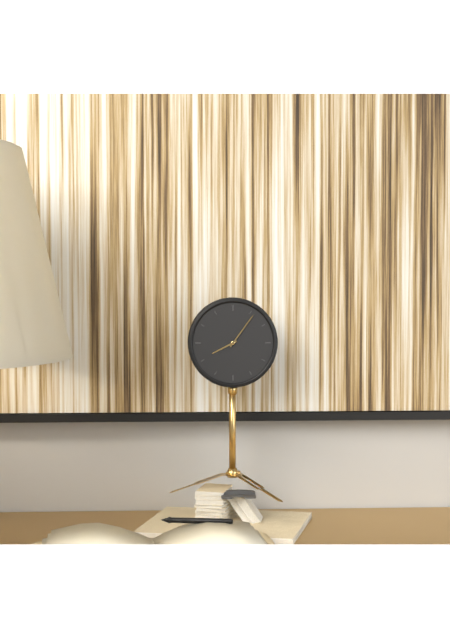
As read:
8,06
